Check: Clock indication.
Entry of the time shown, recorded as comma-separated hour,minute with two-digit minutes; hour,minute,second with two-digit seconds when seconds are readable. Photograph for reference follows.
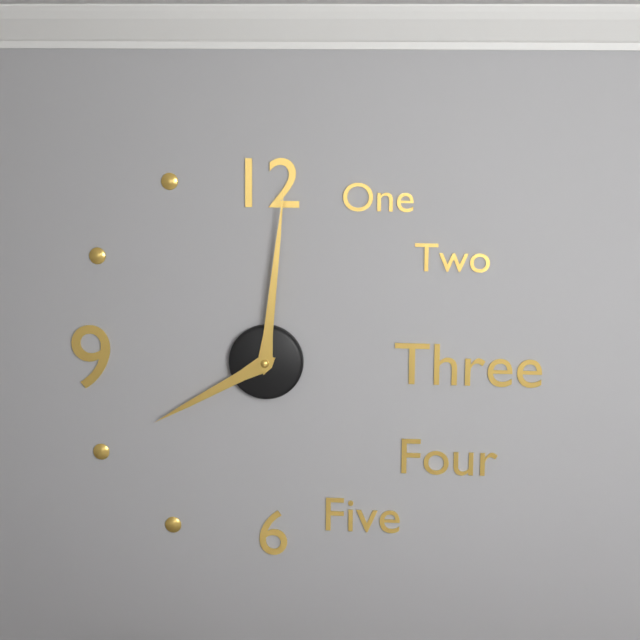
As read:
8,01
